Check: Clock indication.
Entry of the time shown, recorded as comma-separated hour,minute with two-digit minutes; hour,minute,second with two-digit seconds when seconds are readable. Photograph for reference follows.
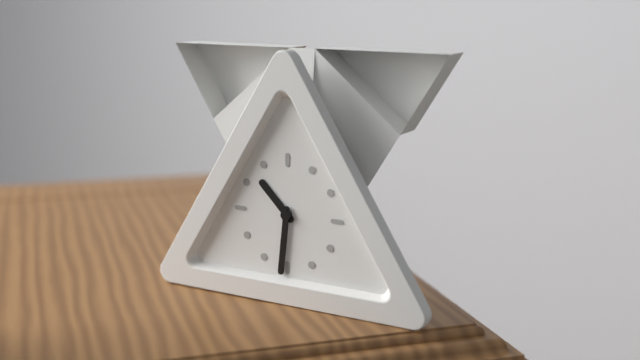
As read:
10,31
